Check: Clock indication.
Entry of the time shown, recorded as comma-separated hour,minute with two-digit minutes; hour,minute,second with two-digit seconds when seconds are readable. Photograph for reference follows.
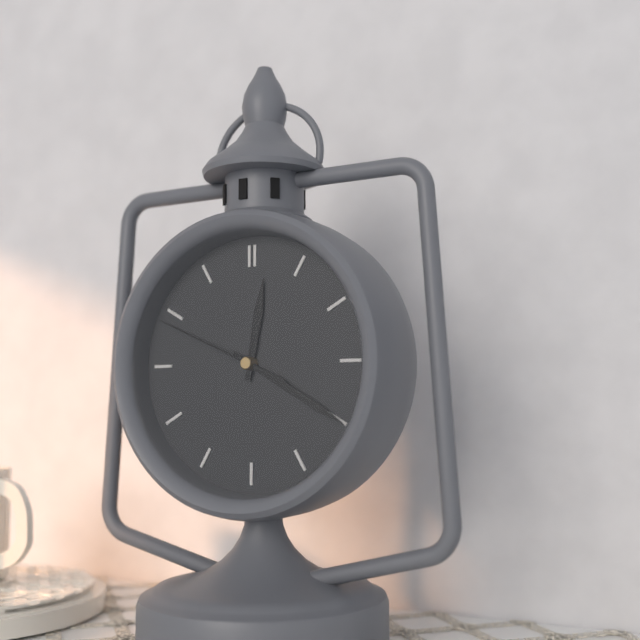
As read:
12,20,49
